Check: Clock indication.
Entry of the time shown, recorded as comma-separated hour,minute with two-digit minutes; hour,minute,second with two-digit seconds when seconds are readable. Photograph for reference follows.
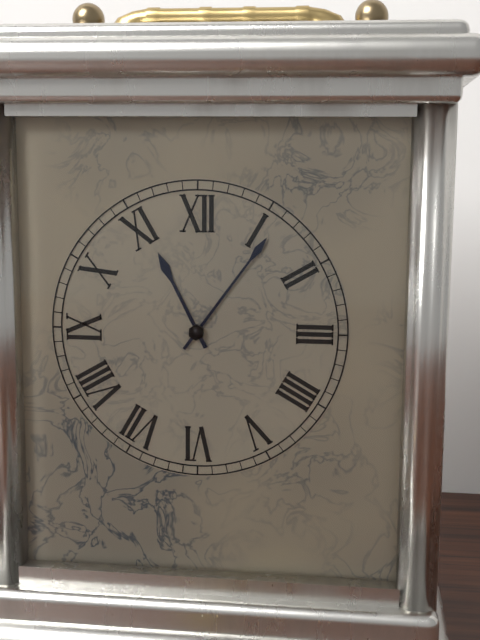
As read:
11,06
